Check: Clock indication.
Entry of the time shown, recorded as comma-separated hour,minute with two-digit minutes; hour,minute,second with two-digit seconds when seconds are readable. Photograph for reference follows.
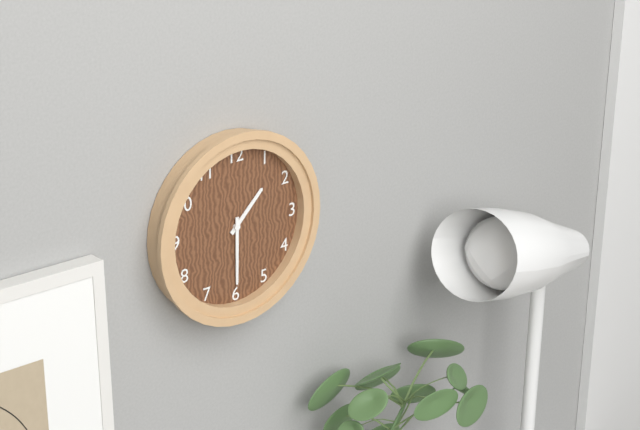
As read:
1,30
